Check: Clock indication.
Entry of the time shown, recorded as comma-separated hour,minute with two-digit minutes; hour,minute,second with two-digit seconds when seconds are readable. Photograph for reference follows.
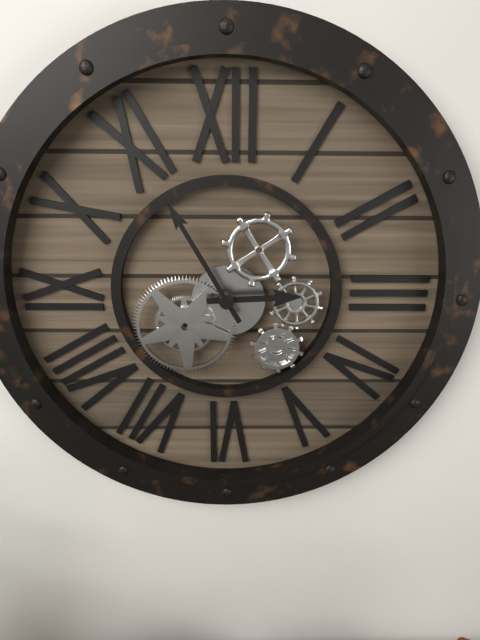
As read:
2,55
